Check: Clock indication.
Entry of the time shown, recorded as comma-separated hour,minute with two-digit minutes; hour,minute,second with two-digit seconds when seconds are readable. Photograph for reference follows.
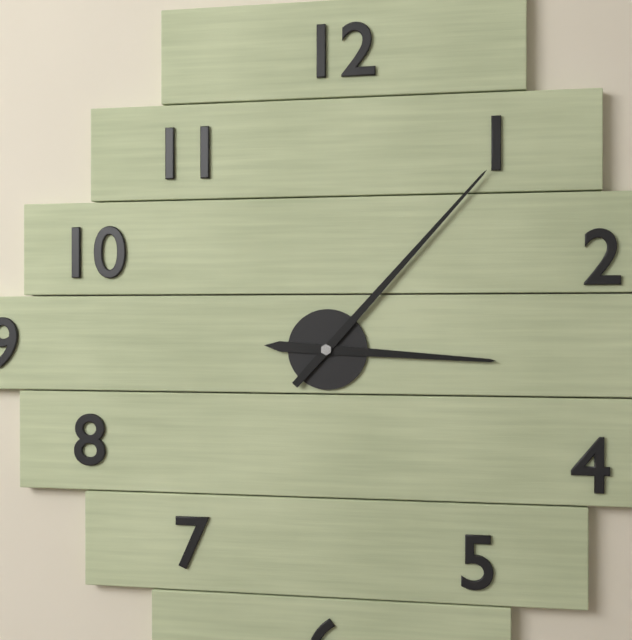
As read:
3,07
